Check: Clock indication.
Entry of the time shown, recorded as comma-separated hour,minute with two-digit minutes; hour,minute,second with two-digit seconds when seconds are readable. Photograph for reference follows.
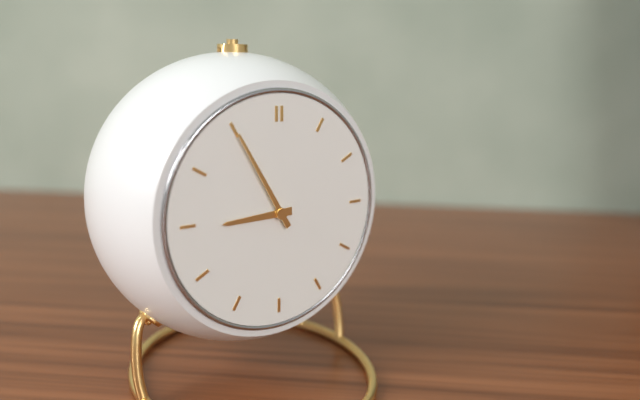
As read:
8,55
